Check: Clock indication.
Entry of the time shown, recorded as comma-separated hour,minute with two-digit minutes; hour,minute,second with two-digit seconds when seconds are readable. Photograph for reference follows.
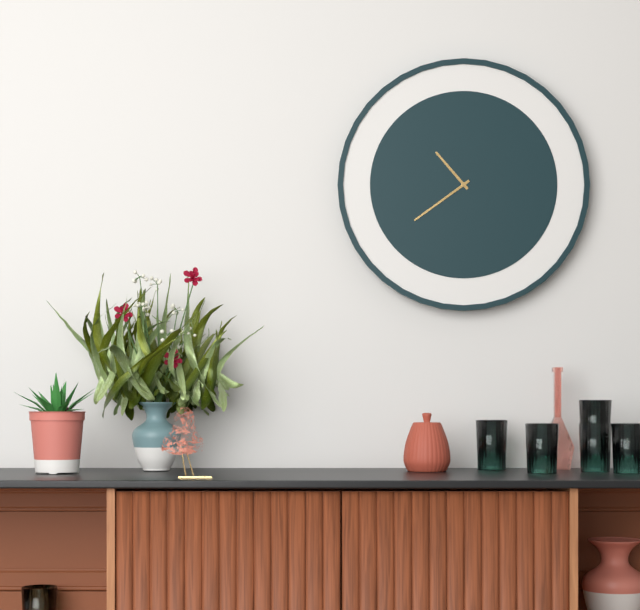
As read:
10,39
